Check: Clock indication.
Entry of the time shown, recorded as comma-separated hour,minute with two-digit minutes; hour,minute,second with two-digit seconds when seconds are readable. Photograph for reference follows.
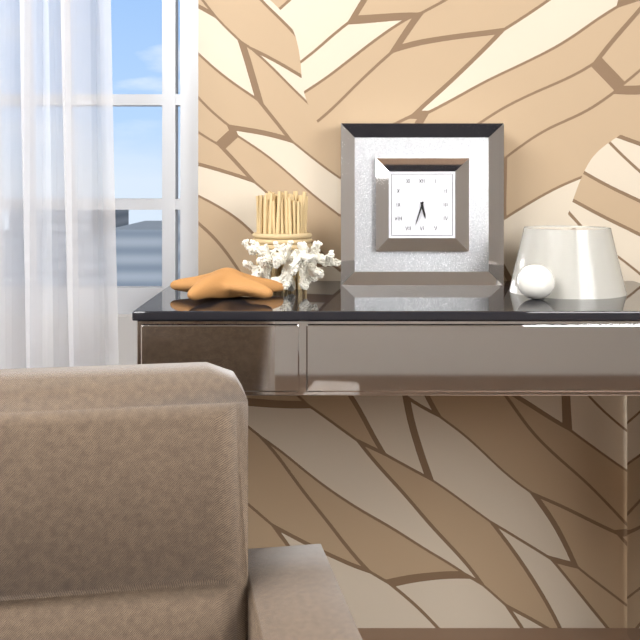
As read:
5,33
